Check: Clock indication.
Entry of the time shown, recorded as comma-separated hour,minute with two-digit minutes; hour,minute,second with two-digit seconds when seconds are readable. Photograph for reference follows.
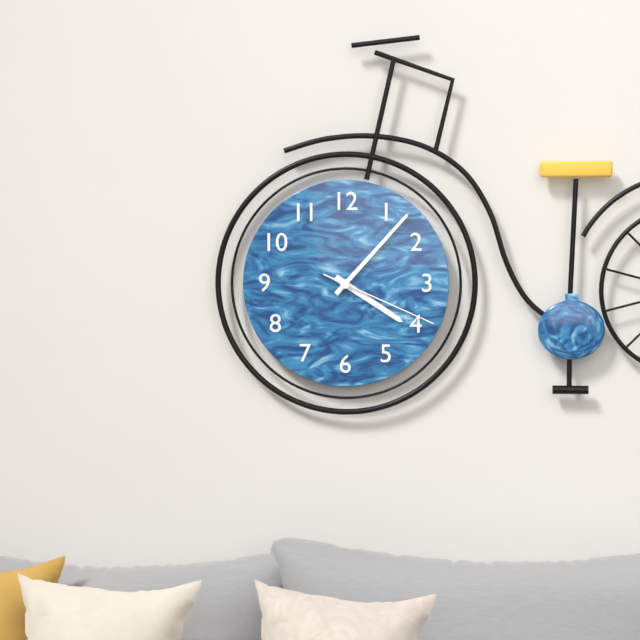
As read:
4,07,19
